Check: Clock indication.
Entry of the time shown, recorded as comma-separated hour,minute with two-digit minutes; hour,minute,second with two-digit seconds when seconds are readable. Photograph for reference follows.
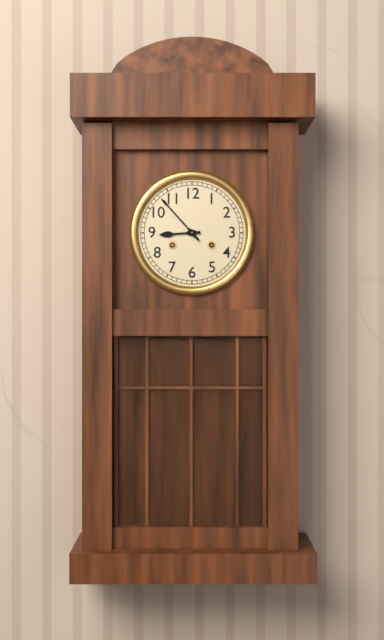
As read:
8,53
